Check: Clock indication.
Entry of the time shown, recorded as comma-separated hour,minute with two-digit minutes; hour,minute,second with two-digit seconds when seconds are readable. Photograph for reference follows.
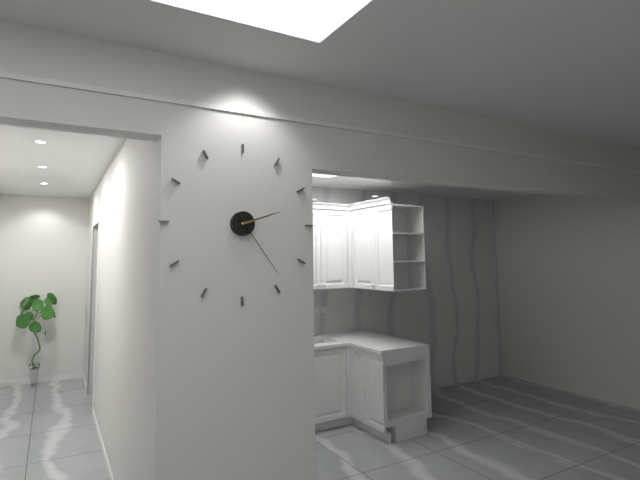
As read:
2,24
